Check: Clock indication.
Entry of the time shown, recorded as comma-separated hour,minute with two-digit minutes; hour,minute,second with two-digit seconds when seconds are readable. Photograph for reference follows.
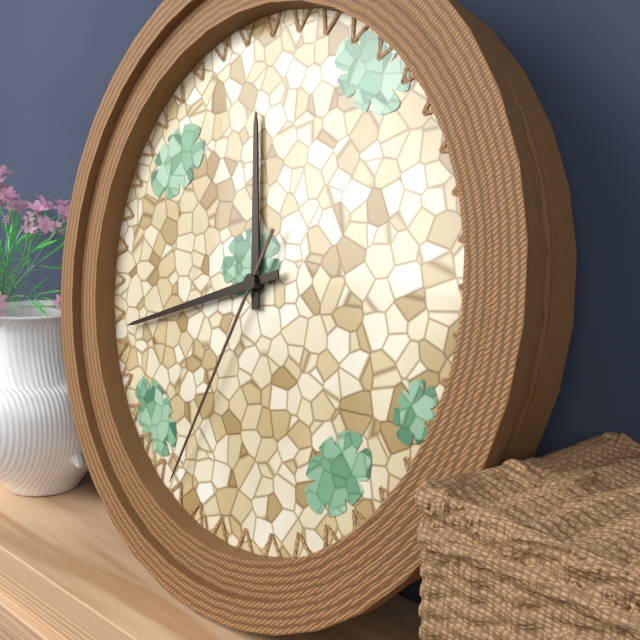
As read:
11,42,34
